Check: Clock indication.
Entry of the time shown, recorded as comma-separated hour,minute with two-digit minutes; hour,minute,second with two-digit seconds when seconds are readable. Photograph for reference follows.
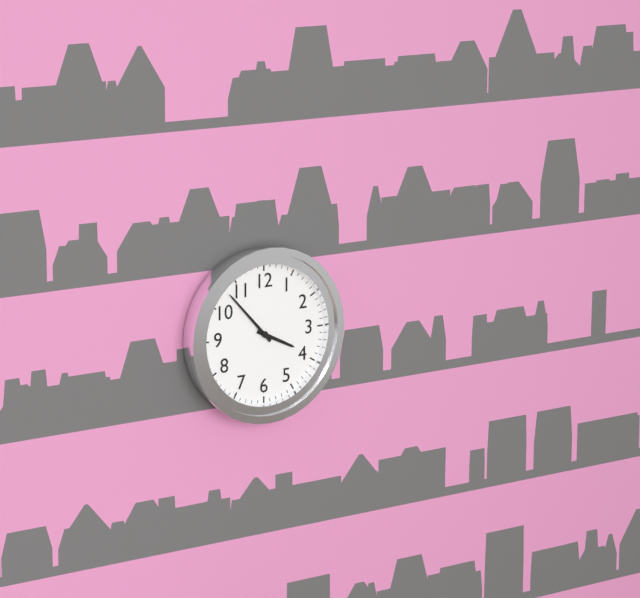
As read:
3,53
